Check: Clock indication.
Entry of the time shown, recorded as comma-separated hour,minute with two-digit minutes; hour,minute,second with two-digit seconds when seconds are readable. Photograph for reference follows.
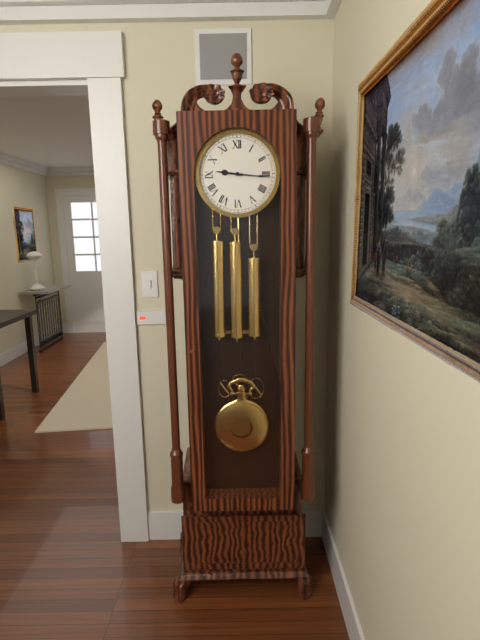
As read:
9,16
